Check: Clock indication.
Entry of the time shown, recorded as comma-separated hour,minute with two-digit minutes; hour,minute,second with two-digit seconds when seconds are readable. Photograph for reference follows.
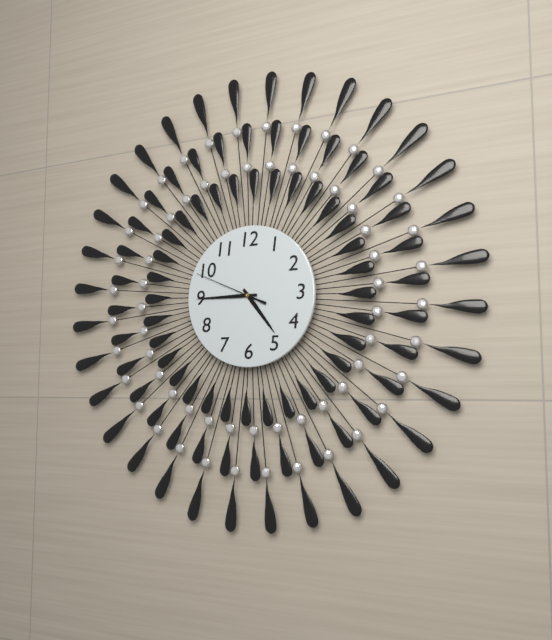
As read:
4,45,49
